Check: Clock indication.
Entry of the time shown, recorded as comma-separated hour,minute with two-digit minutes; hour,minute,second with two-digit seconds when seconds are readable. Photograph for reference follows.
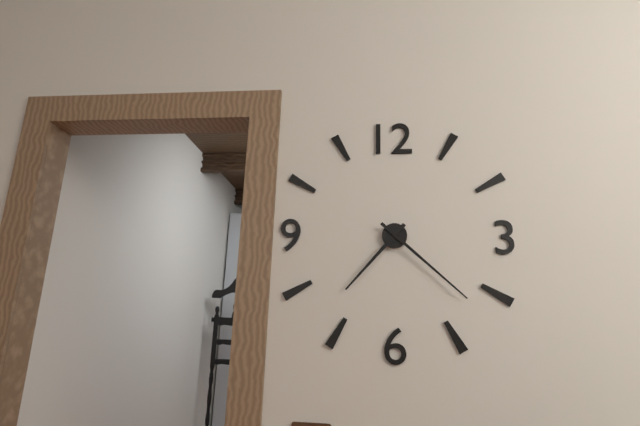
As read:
7,22
